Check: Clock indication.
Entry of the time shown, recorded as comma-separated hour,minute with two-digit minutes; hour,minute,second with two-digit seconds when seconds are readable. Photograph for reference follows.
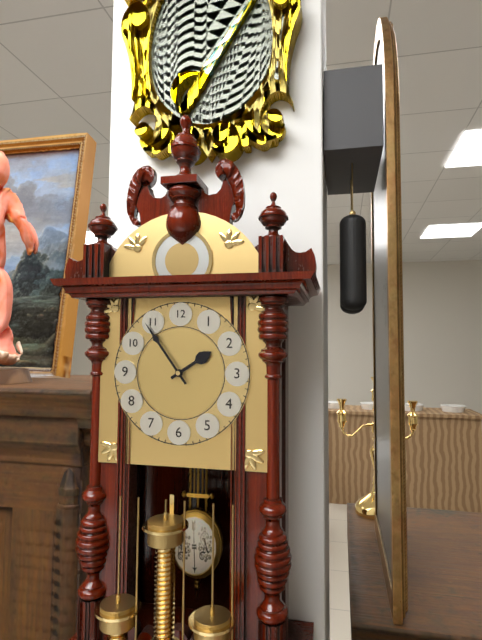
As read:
1,54
